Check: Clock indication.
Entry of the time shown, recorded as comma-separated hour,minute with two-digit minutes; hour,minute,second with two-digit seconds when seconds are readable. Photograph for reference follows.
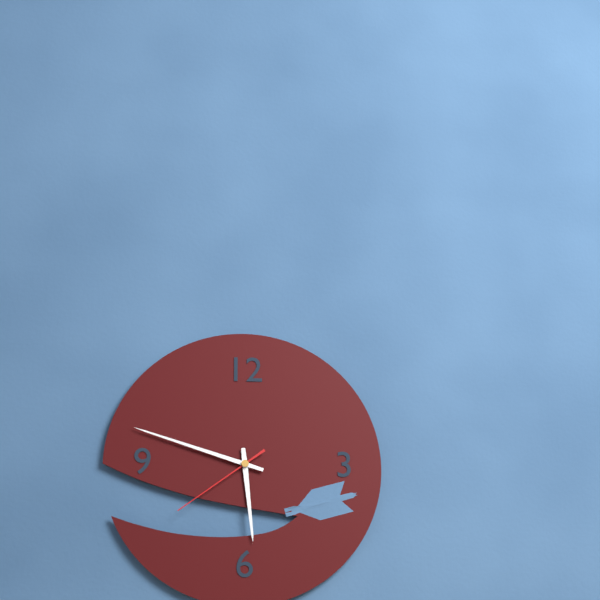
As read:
5,48,39
